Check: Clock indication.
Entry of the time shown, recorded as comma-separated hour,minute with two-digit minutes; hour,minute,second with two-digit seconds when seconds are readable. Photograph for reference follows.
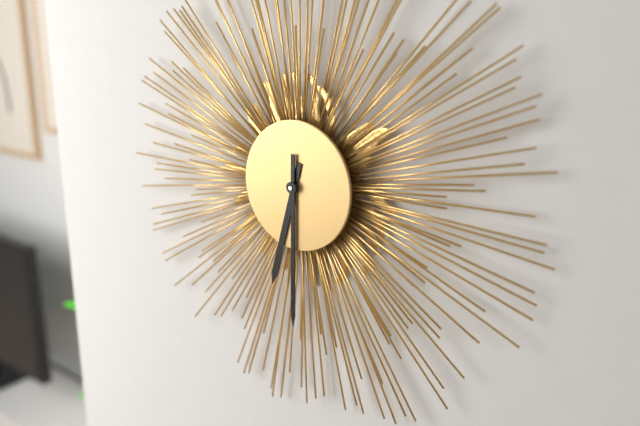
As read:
6,30
